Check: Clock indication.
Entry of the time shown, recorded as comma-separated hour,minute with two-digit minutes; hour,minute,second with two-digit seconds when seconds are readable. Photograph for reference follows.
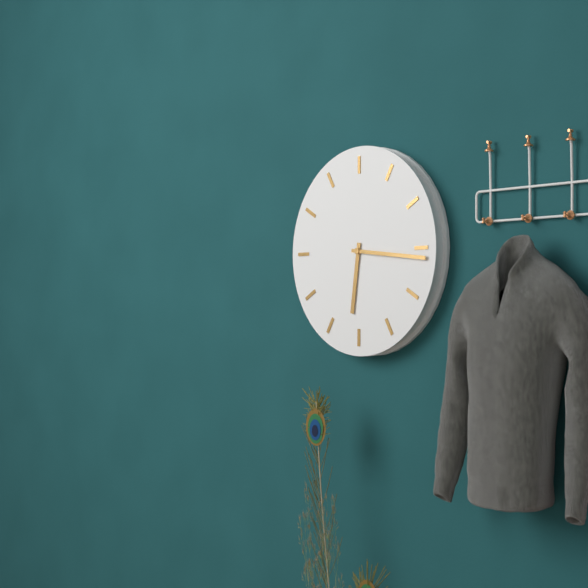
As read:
6,16
